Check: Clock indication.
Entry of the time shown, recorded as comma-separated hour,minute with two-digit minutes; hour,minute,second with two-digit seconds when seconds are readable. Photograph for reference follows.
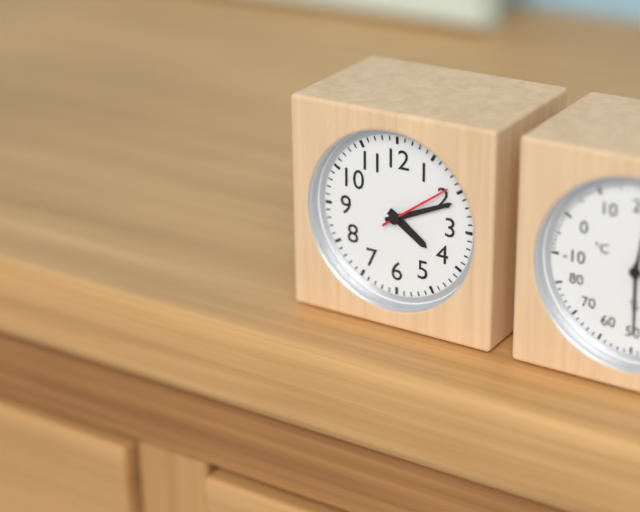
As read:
4,11,09
